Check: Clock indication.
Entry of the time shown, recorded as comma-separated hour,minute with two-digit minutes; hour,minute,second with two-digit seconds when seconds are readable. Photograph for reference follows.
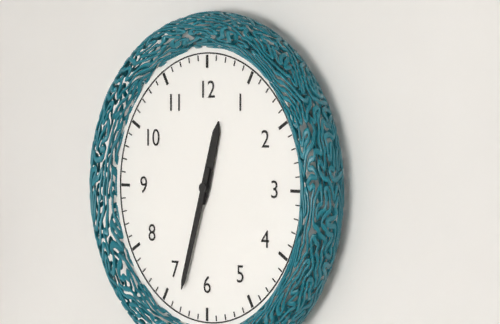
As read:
12,33
